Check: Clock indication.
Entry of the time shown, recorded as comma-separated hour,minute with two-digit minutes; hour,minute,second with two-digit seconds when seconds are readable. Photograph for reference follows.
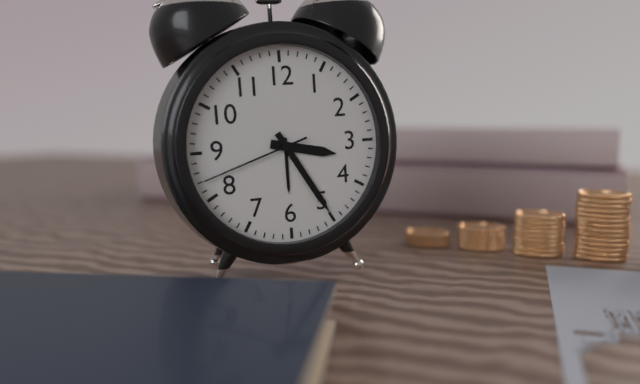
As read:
3,25,42
